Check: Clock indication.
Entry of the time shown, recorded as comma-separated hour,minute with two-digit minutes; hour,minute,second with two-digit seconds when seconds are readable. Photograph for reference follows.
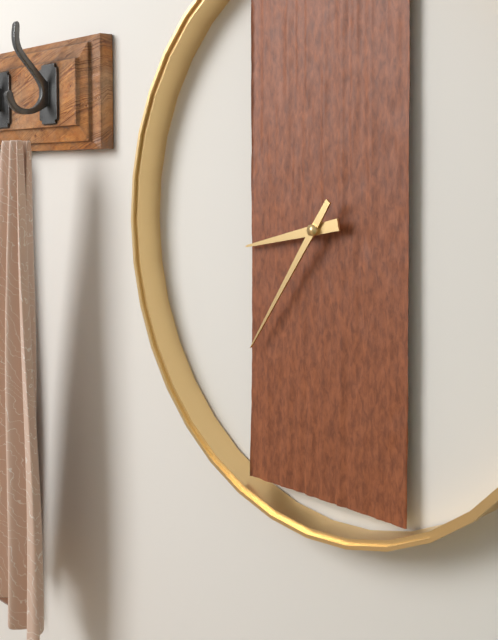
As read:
8,36
